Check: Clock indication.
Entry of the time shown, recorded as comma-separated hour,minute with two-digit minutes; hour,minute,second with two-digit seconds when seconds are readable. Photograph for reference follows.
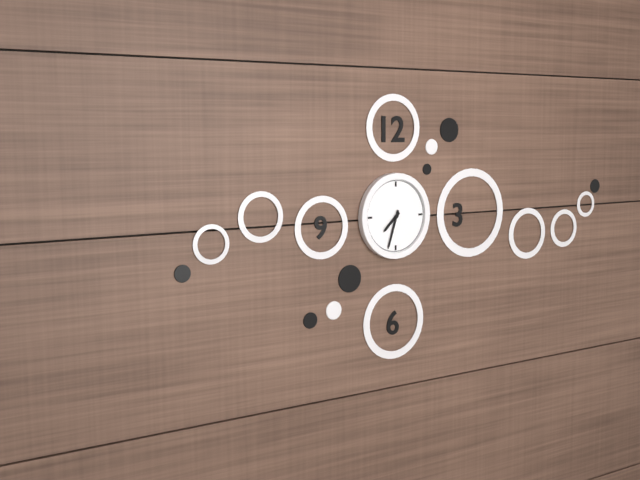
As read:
7,33
